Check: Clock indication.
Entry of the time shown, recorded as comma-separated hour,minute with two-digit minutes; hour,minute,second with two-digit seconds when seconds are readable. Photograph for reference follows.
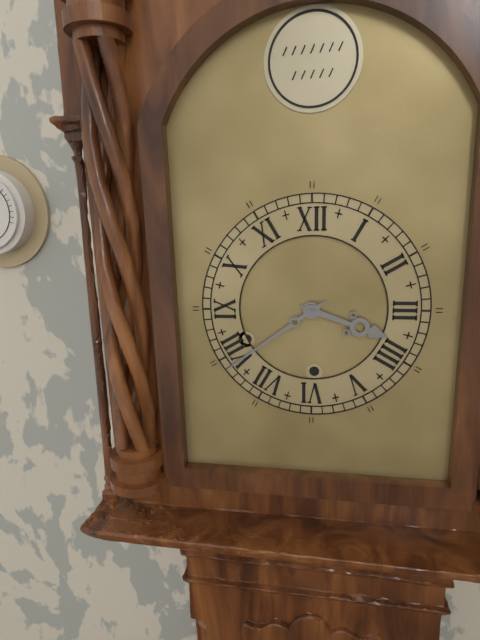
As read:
3,39
